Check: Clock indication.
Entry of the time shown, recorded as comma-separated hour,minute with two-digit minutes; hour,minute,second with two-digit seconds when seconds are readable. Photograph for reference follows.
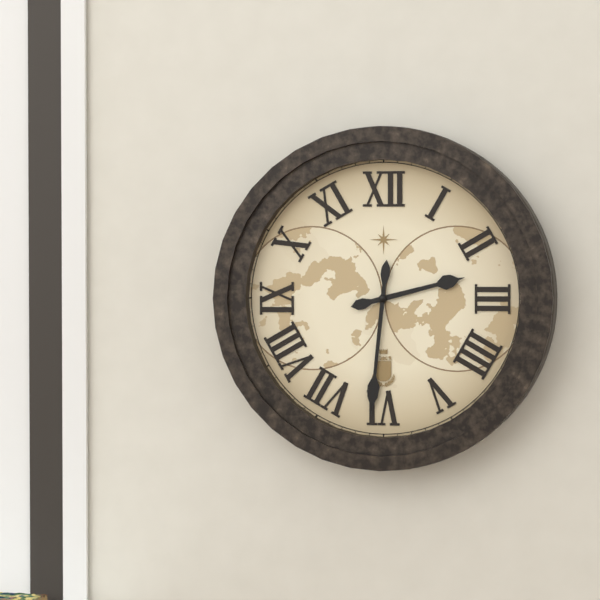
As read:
2,31
